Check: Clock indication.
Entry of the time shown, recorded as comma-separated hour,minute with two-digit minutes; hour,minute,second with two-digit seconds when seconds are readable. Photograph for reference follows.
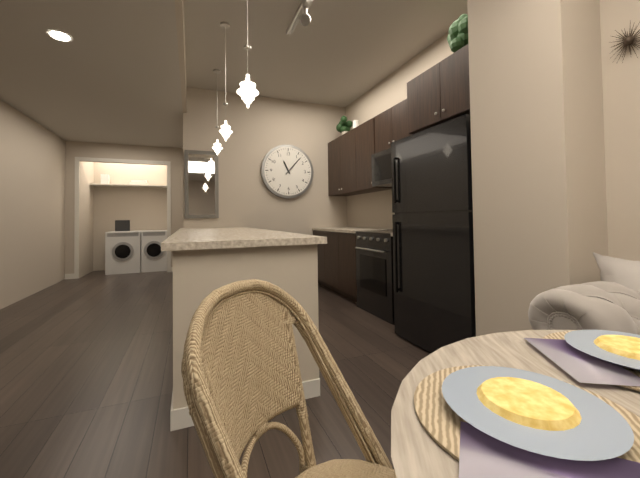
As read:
11,07
